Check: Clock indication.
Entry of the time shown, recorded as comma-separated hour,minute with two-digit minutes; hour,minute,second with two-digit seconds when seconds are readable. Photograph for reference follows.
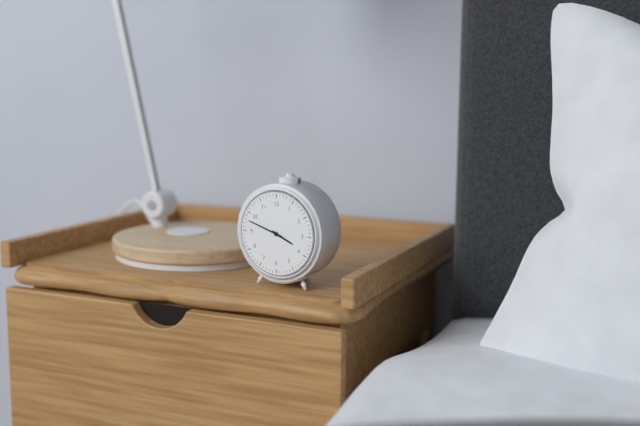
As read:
3,48
